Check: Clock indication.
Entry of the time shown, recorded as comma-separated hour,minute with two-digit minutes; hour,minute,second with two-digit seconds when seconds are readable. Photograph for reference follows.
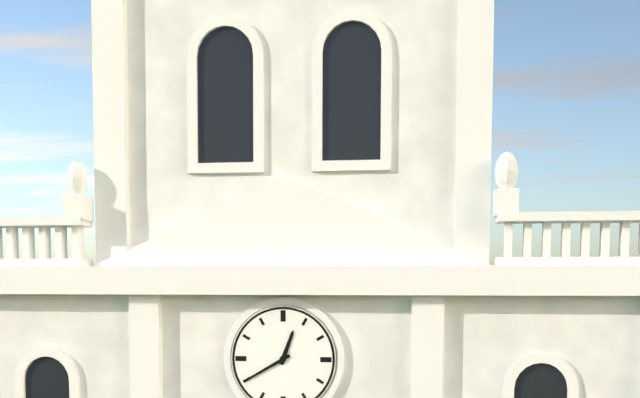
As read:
12,40
